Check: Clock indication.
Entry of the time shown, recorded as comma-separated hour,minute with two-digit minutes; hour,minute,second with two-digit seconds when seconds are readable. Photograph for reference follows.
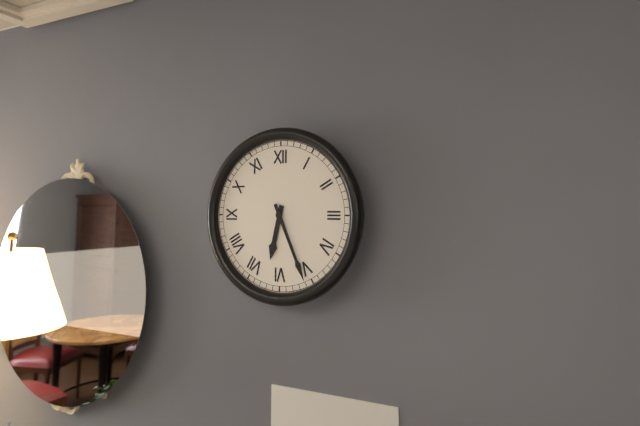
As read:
6,26
